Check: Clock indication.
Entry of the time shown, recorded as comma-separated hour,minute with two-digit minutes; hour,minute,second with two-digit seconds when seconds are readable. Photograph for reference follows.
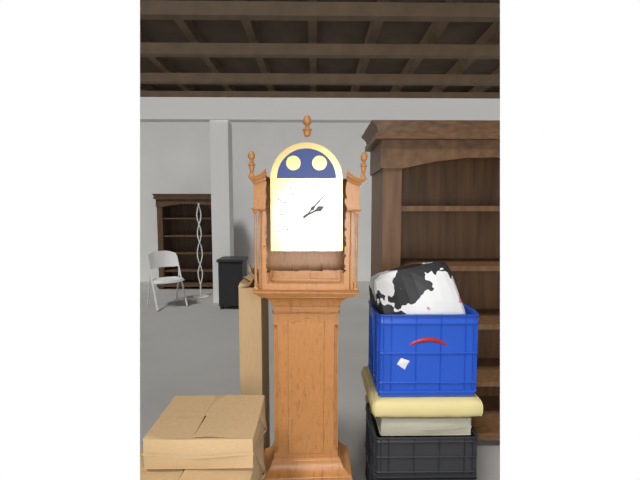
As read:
2,07
